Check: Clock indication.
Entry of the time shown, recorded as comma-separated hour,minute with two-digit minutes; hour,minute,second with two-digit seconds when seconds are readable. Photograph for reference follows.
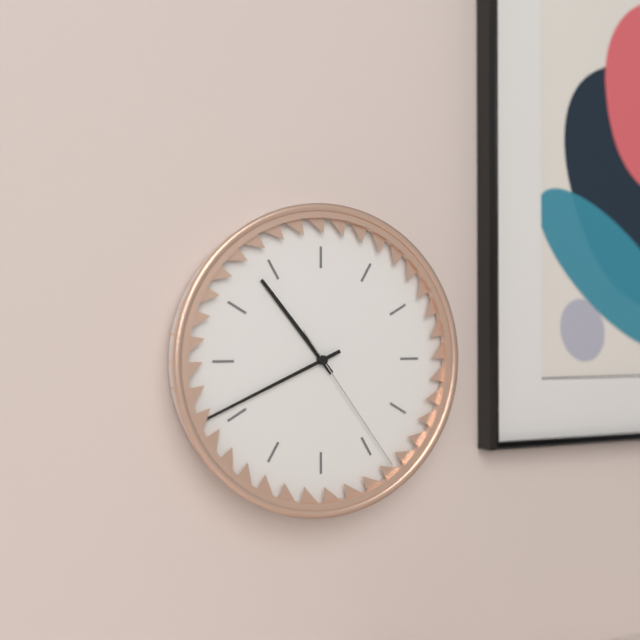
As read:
10,41,24
